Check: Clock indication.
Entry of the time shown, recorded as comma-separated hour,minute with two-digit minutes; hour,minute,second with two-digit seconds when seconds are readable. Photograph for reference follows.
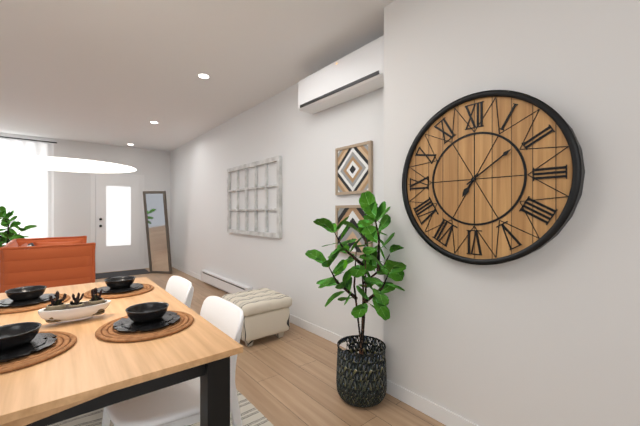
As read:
7,09
